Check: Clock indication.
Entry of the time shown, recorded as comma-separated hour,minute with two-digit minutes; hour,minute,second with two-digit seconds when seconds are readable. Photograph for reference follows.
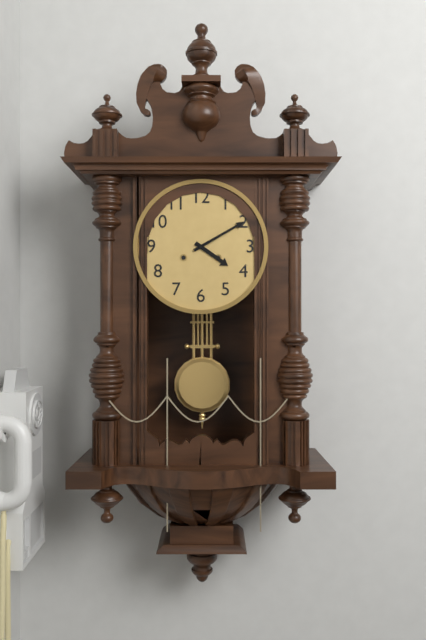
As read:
4,10
